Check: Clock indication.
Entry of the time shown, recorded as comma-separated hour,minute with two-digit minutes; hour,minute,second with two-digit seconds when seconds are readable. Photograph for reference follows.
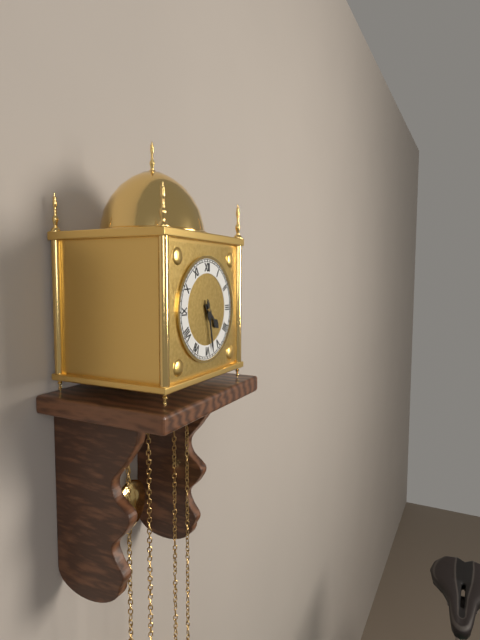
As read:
4,28
